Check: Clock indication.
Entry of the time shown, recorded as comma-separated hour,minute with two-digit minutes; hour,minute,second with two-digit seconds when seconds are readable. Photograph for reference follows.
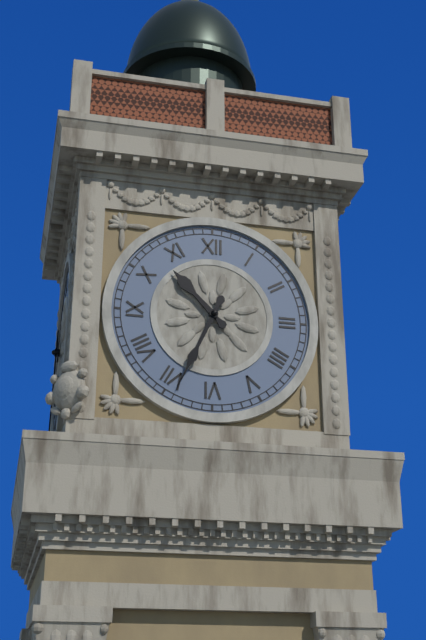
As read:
10,34
